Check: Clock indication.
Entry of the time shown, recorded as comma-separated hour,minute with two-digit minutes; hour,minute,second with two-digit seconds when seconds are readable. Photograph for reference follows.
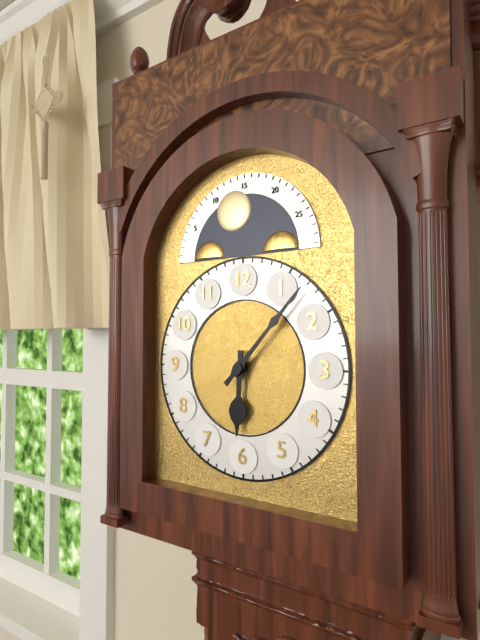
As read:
6,07
